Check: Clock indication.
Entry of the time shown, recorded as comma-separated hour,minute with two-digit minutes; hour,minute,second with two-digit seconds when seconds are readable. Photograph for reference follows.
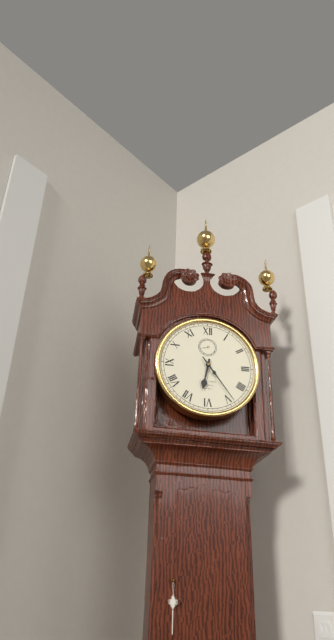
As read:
6,24
